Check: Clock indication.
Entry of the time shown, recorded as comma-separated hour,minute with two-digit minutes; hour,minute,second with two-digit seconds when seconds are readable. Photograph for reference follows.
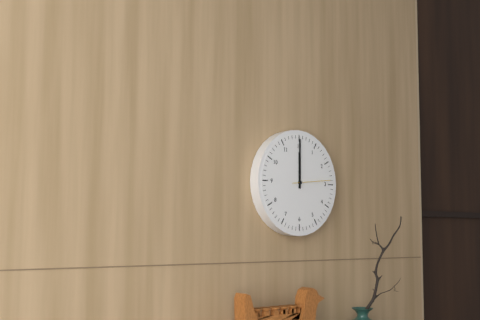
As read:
12,00
